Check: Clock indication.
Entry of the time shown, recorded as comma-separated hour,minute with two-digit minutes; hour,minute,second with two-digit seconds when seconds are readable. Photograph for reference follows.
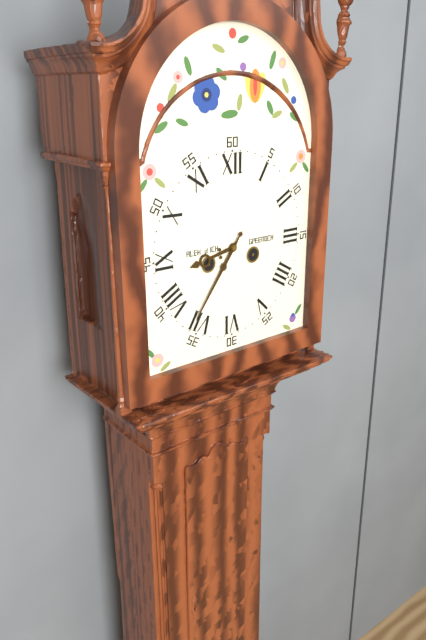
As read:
8,36
